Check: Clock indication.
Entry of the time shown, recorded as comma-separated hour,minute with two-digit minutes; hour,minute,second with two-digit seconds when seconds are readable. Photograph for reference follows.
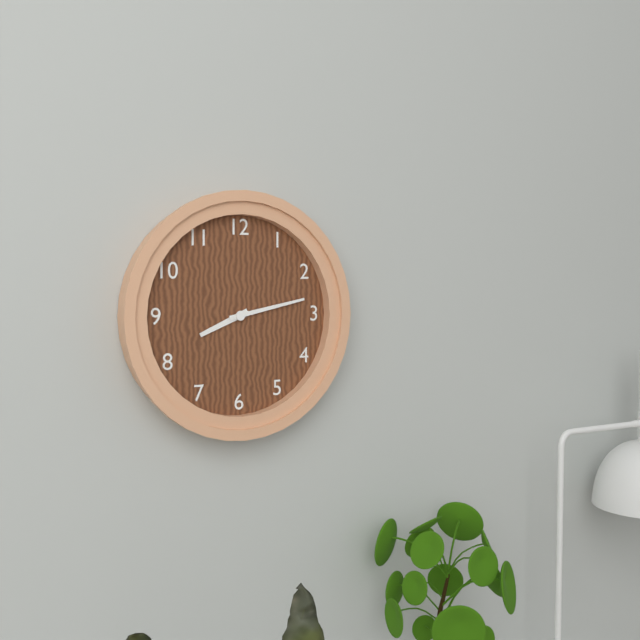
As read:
8,13
